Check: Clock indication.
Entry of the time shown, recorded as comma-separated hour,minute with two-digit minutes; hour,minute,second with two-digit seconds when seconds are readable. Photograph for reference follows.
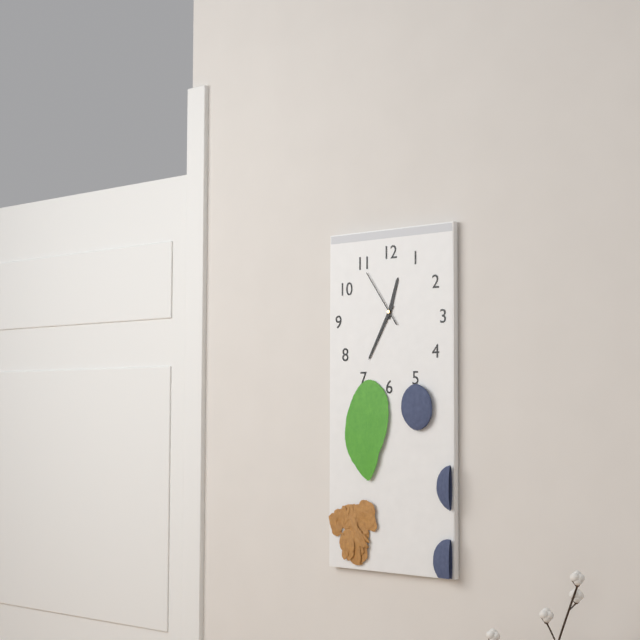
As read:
12,35,54
